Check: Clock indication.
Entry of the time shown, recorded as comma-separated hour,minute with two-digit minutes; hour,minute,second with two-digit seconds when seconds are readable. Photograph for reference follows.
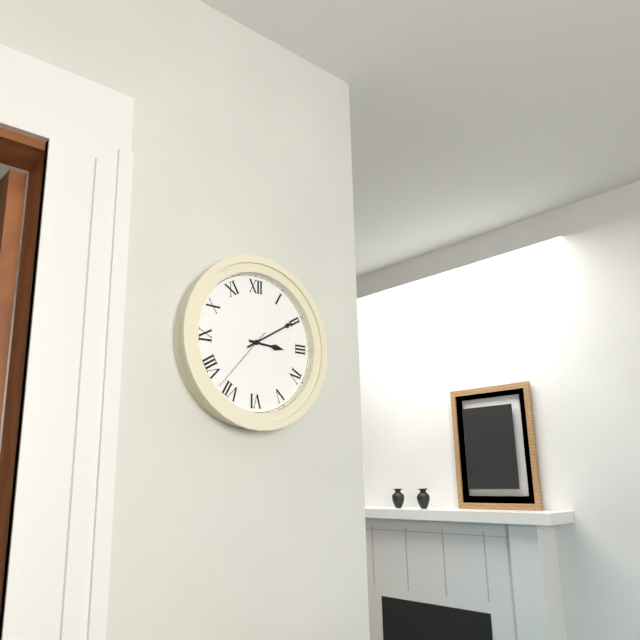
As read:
3,10,37
